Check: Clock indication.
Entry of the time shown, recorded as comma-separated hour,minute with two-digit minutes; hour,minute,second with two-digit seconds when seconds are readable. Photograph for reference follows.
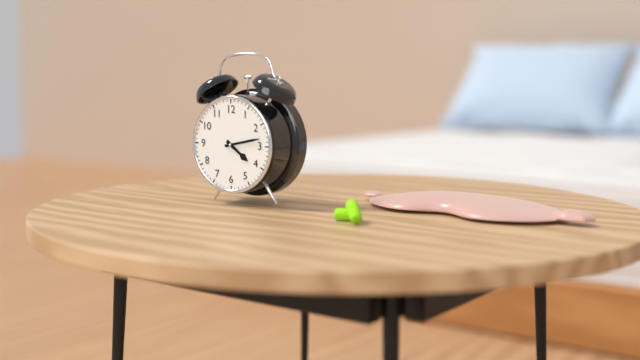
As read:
4,13
